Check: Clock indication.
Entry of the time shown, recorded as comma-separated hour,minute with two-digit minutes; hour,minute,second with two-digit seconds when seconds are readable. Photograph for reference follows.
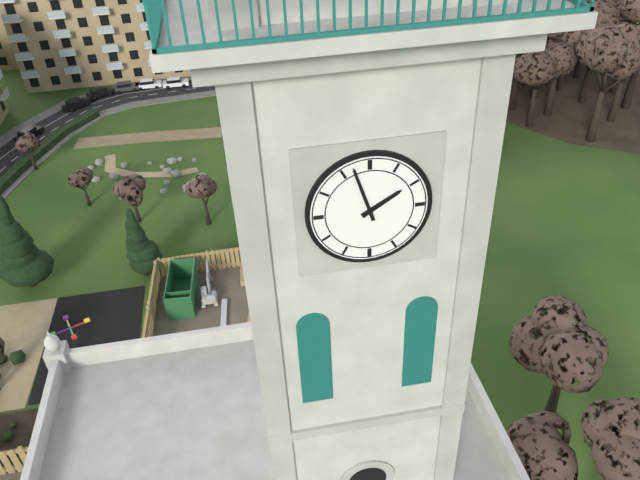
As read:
1,57
